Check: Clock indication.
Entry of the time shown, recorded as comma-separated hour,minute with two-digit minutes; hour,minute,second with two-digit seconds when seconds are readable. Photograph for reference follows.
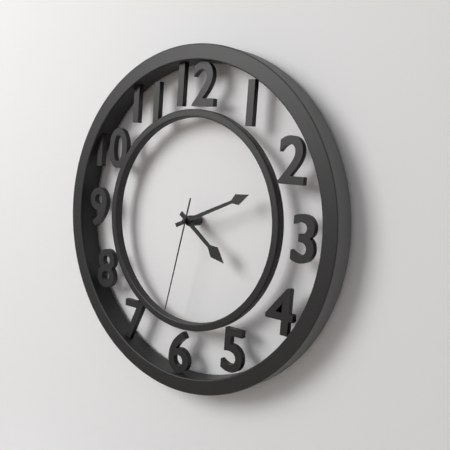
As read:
4,11,32
